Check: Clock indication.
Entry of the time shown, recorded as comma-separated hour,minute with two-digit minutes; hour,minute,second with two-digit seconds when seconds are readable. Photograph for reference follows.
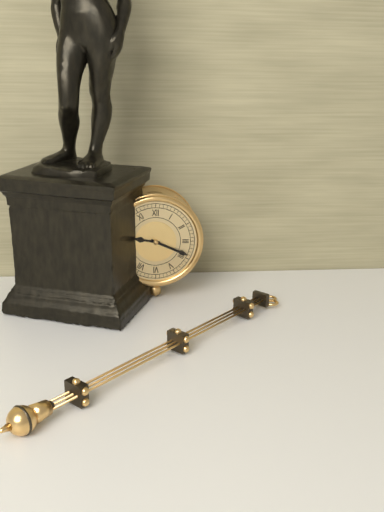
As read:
9,19
